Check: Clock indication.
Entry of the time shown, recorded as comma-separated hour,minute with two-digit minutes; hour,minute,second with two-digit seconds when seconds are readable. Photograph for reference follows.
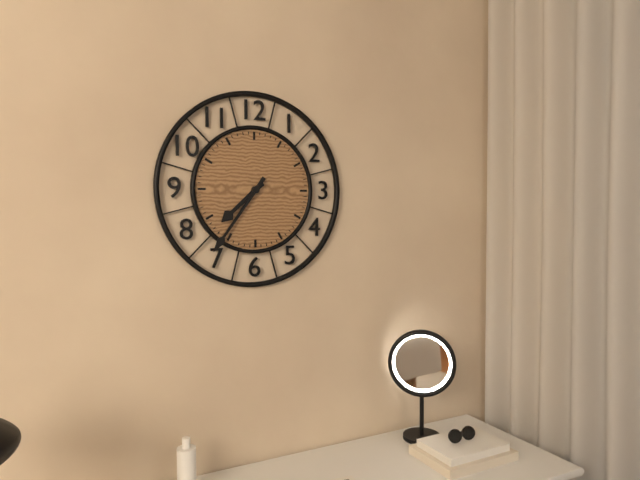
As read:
7,36
